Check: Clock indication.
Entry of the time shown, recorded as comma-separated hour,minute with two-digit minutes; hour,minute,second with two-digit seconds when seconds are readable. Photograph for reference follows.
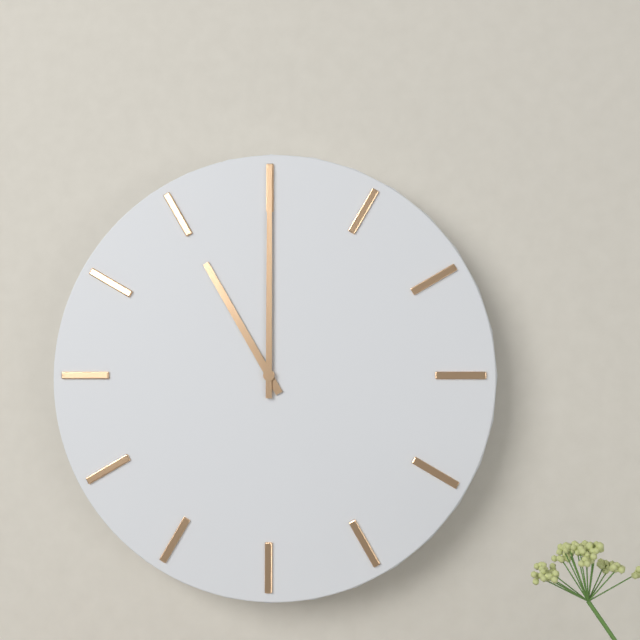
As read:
11,00
